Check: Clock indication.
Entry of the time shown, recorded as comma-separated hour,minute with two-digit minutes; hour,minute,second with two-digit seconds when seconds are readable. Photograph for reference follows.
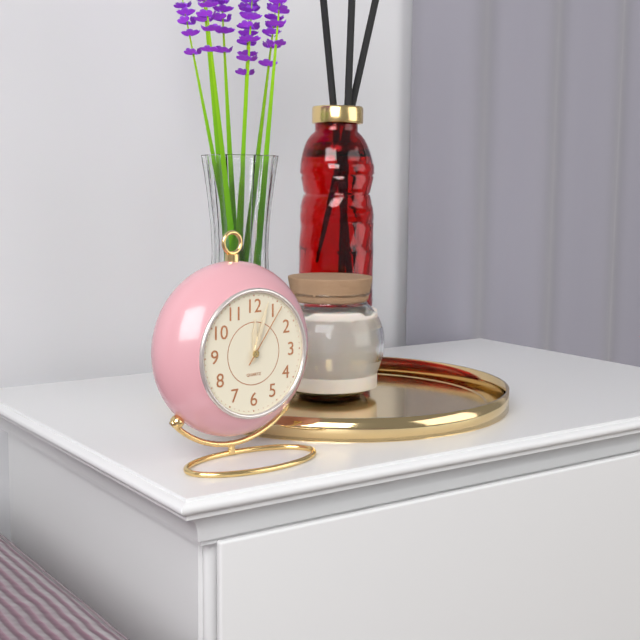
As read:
12,03,06
